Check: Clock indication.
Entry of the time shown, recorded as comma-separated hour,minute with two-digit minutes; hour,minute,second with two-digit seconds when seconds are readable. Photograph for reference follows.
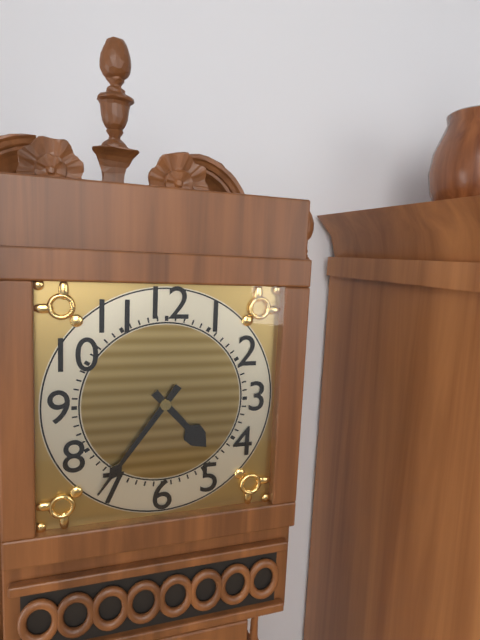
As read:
4,36
